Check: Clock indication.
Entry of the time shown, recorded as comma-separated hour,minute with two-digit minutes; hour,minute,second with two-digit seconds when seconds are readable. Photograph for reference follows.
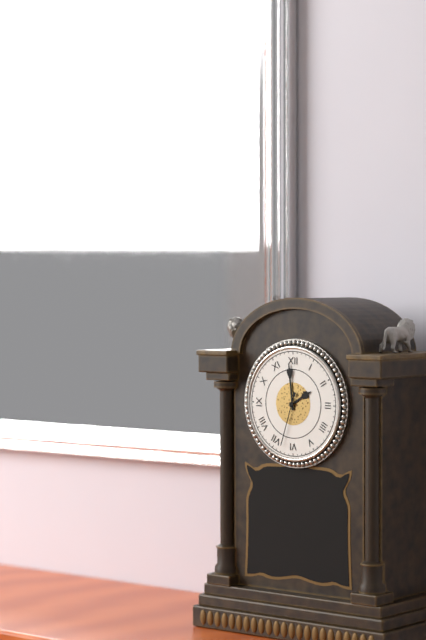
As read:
1,59,33
